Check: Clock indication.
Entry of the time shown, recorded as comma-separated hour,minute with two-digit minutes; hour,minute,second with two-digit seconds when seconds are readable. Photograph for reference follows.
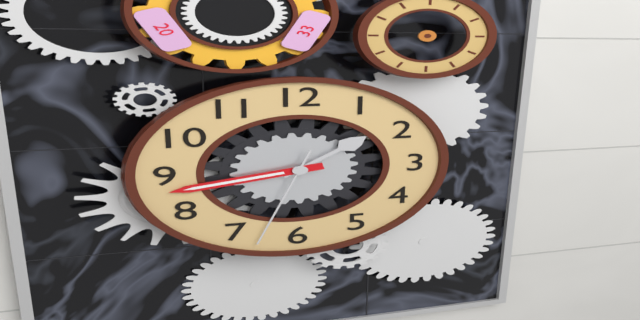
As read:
1,43,33
